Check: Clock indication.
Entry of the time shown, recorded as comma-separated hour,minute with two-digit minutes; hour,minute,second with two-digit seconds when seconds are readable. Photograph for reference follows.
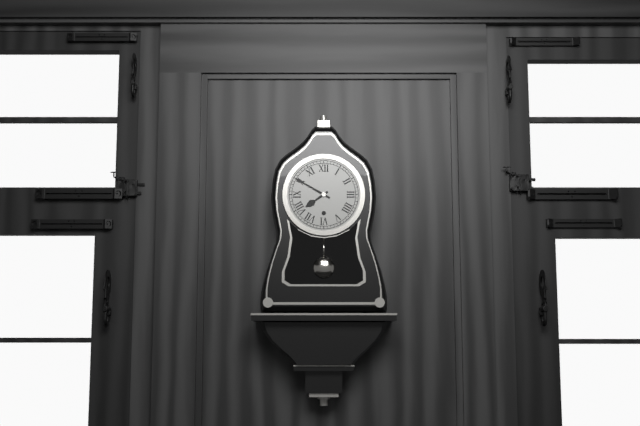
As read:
7,50
